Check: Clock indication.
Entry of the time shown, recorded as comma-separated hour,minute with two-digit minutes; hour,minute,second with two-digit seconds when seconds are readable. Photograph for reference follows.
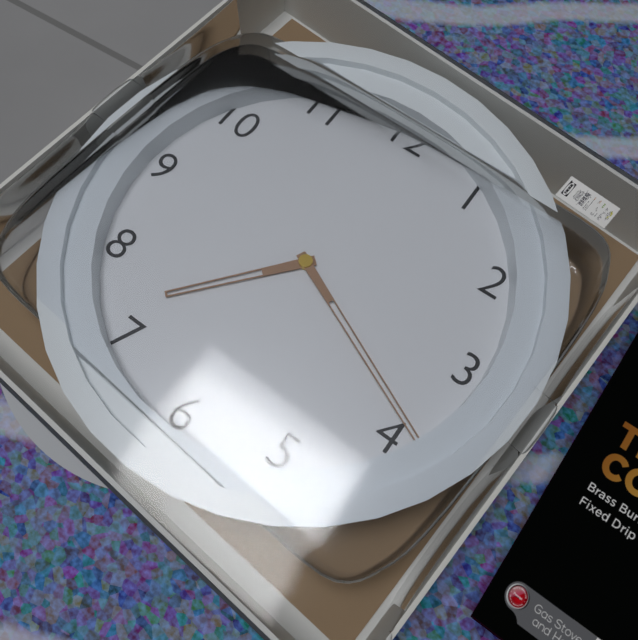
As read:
7,19
